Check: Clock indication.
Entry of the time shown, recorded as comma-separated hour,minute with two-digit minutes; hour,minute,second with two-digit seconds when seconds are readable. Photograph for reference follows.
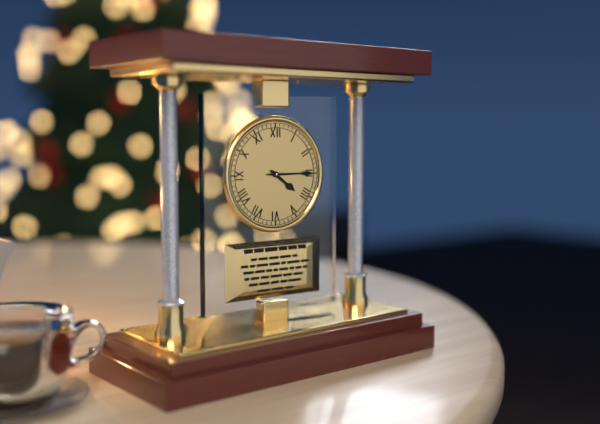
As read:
4,15
